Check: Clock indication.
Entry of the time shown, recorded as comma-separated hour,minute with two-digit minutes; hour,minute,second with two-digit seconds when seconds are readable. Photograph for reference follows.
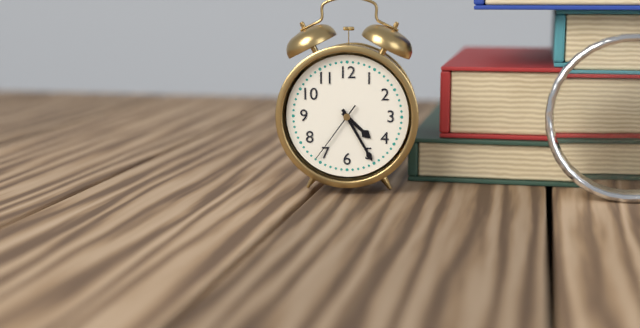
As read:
4,25,36
